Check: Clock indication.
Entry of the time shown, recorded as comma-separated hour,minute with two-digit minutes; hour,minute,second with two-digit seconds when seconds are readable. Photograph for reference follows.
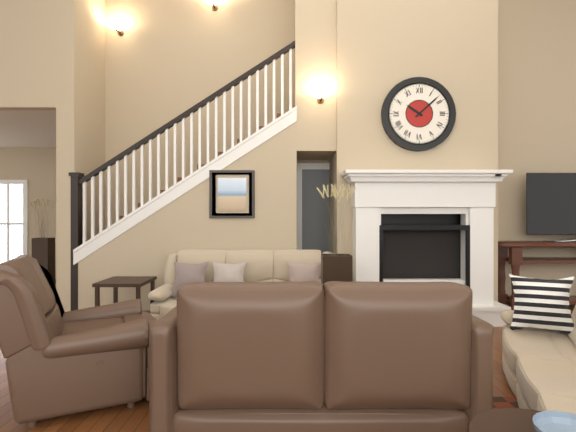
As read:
10,08
